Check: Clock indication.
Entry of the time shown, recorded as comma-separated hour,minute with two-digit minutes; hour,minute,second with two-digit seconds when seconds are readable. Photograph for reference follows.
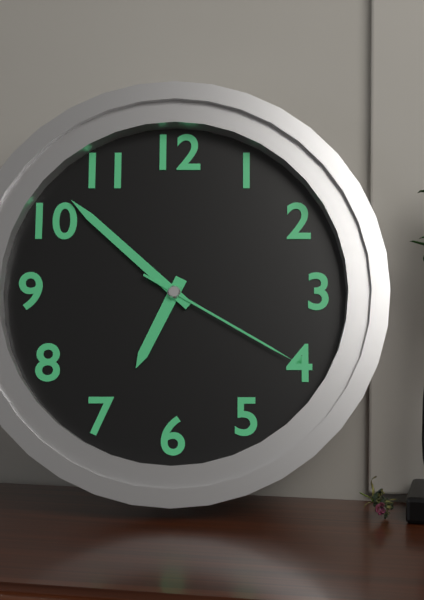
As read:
6,52,20
